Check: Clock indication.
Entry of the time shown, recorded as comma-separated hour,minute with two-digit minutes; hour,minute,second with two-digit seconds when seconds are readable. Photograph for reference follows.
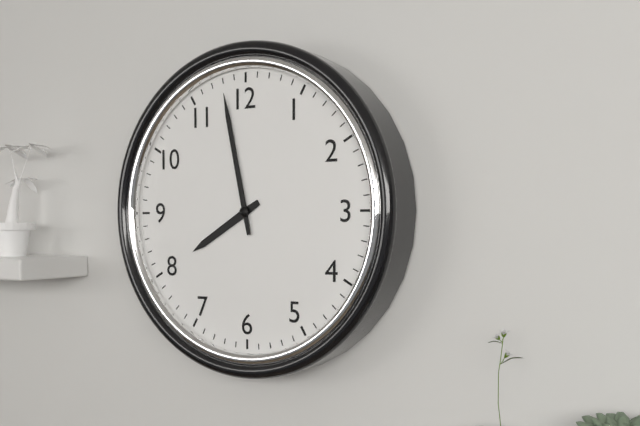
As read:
7,58
